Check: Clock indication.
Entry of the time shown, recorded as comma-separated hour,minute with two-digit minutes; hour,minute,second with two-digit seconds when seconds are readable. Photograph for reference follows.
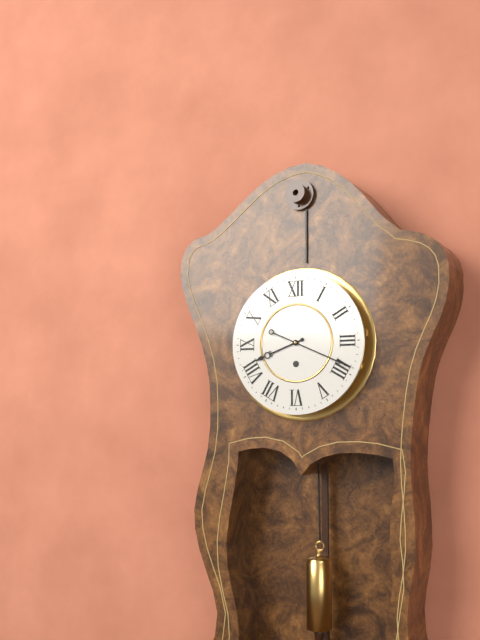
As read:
8,19
